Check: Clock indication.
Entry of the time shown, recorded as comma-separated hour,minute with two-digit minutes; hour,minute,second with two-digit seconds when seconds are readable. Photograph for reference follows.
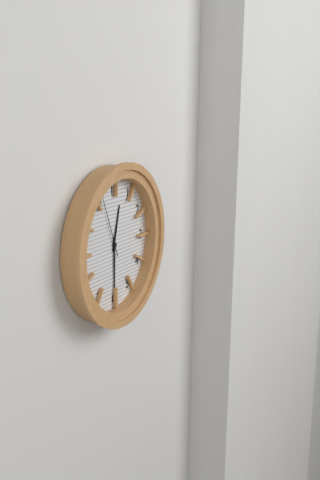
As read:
12,30,56
